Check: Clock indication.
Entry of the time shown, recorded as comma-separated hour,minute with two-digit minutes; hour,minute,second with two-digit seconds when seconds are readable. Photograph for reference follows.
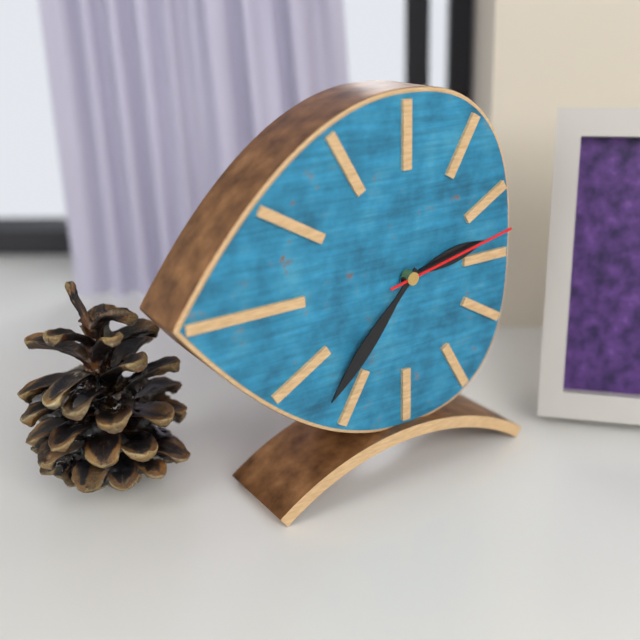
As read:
2,37,13
